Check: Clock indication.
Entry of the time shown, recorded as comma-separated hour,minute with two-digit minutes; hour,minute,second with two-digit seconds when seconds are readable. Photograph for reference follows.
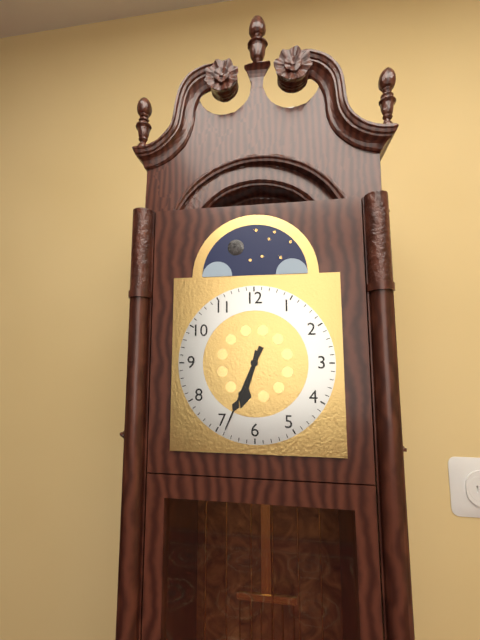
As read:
6,34
